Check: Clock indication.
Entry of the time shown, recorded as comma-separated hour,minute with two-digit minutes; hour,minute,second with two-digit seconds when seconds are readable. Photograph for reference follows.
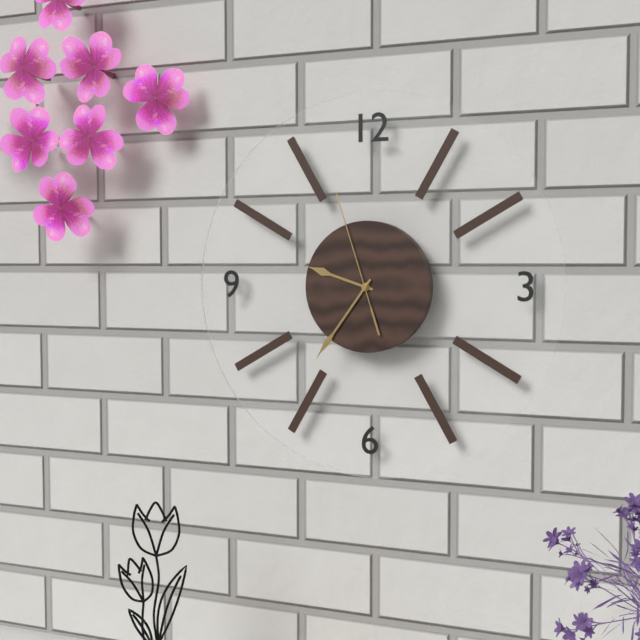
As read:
9,36,57
